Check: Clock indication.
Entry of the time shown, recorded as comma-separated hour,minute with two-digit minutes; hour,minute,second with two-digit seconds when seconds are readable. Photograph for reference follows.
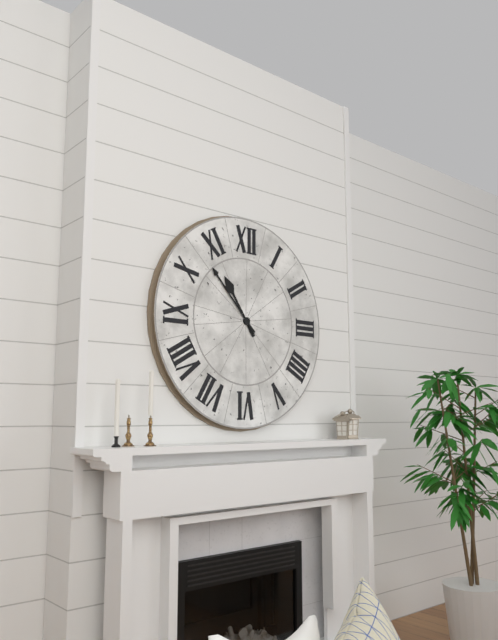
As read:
10,53
